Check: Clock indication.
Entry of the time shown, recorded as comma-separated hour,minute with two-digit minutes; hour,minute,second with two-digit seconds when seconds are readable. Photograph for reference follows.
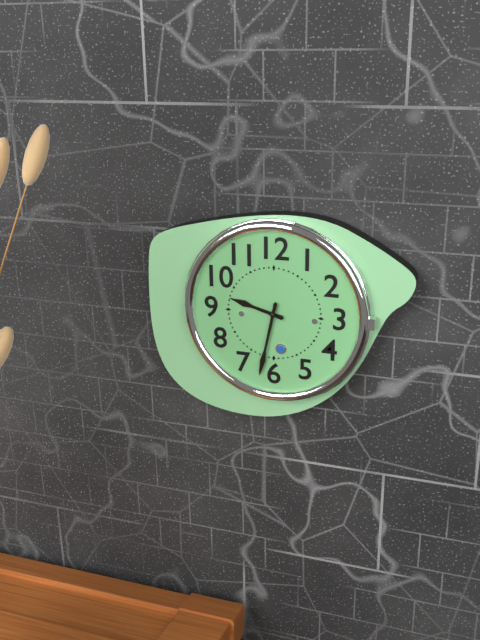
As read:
9,32
